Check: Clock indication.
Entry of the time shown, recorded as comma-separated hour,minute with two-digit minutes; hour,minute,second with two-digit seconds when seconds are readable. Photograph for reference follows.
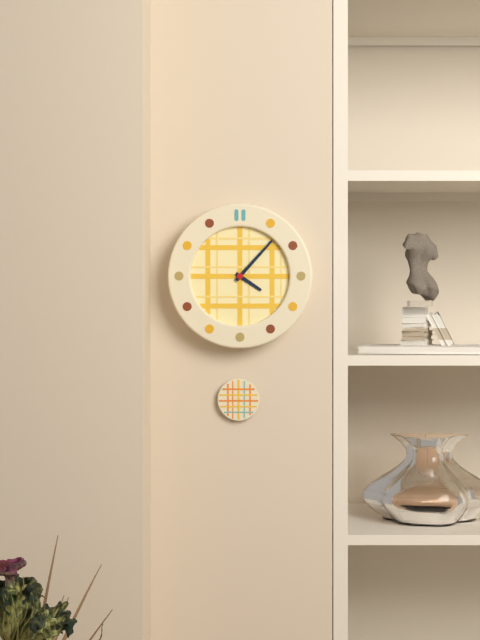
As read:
4,07
